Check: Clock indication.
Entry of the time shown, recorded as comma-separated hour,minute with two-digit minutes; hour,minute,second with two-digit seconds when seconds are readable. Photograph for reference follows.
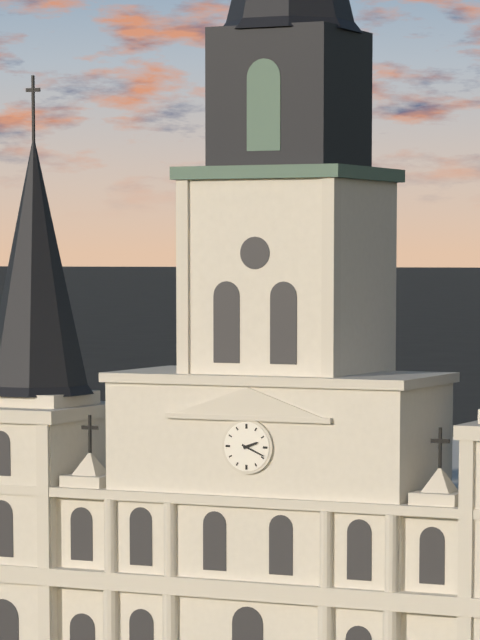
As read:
2,19
